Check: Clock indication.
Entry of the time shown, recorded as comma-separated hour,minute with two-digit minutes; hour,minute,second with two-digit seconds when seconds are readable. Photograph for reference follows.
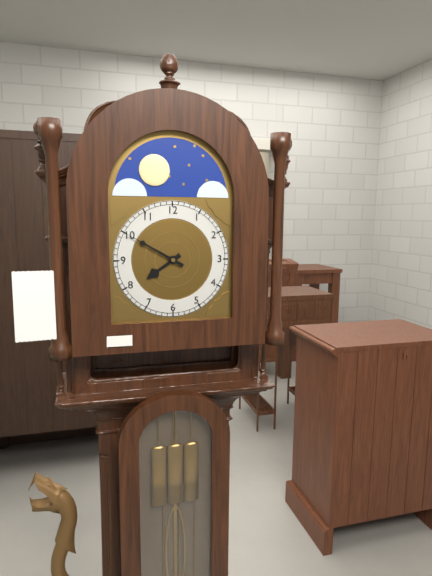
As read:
7,50
